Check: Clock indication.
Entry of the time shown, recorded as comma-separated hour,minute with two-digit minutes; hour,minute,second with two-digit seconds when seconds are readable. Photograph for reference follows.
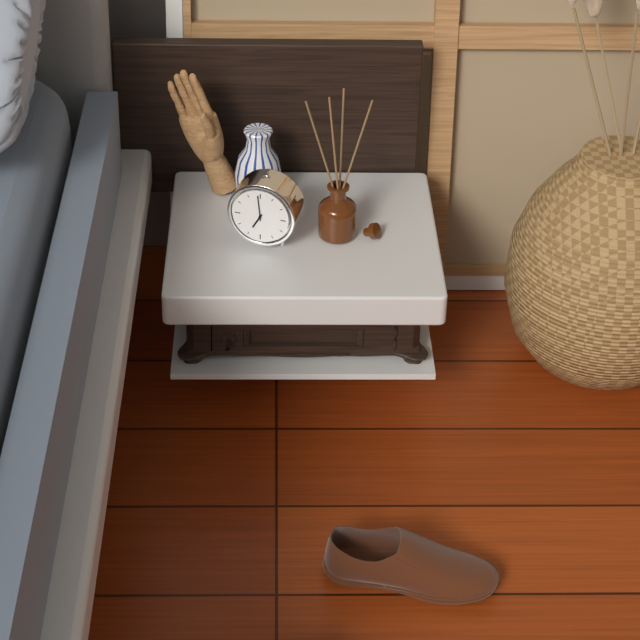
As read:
6,59
